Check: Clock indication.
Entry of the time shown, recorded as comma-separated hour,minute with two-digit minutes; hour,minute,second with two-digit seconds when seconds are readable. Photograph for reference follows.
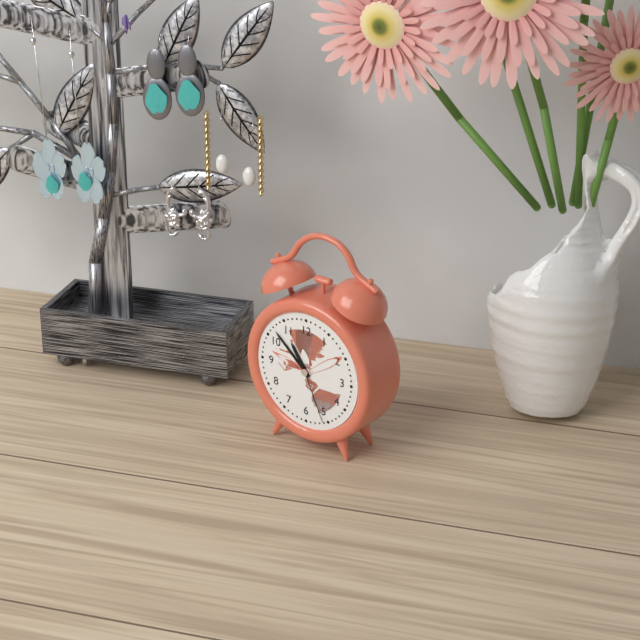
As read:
10,52,26
